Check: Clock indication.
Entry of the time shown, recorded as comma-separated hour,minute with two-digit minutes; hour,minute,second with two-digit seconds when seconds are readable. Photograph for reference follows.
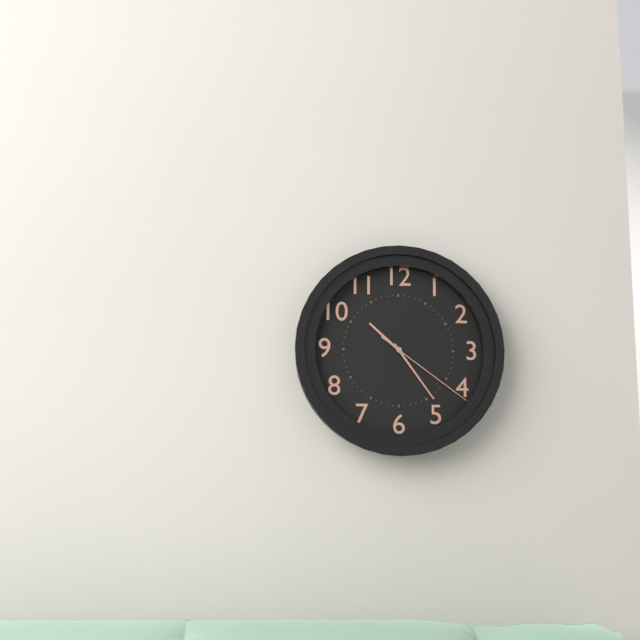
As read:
10,24,21
